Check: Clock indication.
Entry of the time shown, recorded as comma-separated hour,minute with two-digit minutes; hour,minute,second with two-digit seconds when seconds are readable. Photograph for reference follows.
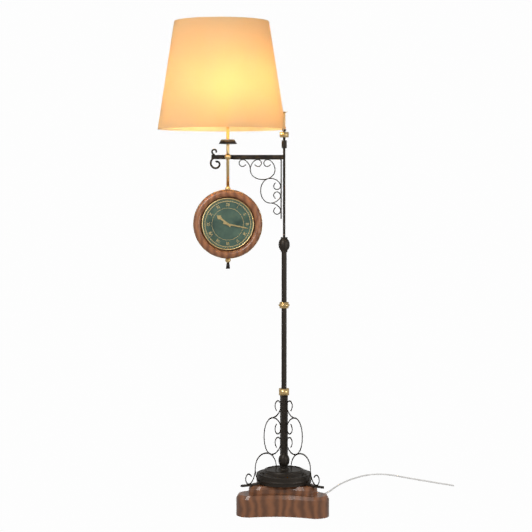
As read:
10,17
